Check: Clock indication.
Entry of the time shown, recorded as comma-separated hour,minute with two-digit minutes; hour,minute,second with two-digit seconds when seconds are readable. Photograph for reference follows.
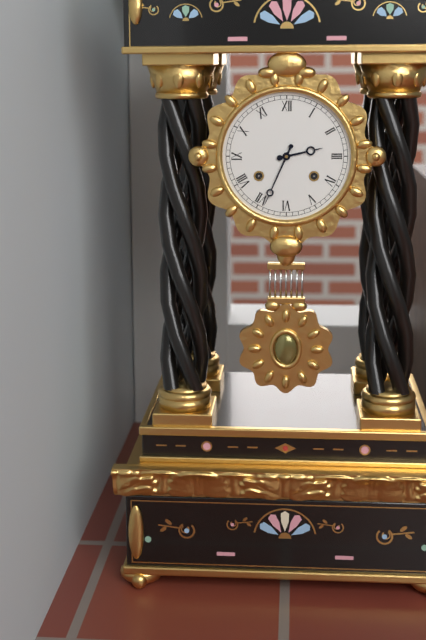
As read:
2,34
